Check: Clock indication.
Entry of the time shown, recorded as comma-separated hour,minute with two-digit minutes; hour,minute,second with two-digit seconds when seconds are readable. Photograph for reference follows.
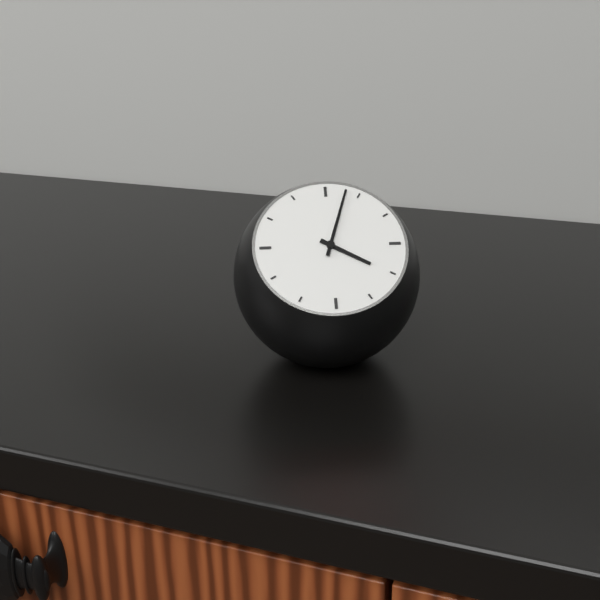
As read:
4,03
